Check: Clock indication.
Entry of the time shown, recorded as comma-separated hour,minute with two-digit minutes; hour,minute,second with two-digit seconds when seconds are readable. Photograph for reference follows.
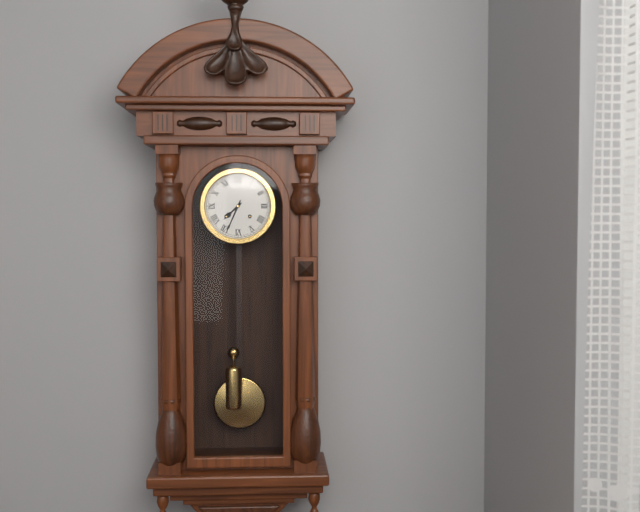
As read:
7,34
